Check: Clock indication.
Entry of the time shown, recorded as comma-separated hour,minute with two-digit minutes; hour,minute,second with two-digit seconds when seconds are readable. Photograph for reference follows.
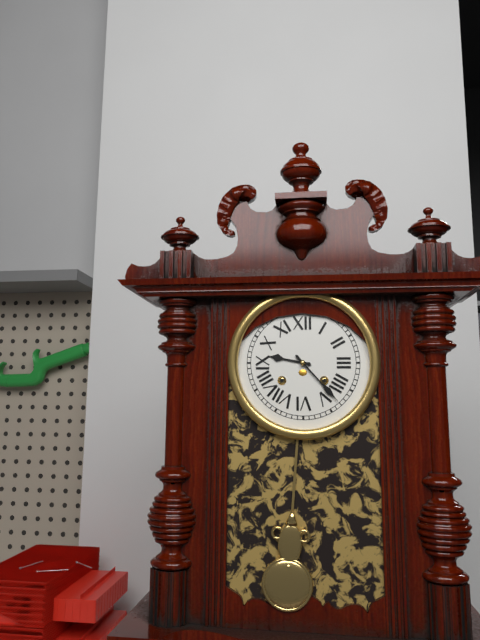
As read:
9,23
